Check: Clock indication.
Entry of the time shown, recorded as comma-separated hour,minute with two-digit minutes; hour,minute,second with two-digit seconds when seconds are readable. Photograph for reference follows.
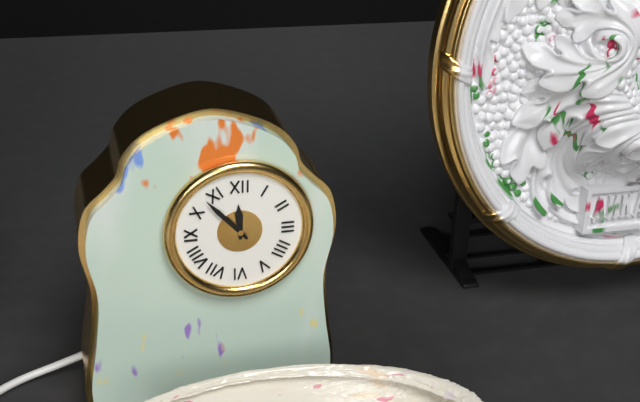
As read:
11,53
